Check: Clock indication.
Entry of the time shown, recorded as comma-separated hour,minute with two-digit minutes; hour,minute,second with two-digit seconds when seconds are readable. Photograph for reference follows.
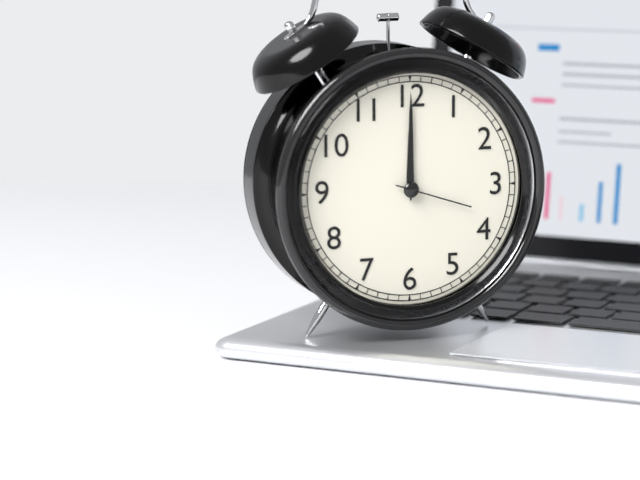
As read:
12,00,18
